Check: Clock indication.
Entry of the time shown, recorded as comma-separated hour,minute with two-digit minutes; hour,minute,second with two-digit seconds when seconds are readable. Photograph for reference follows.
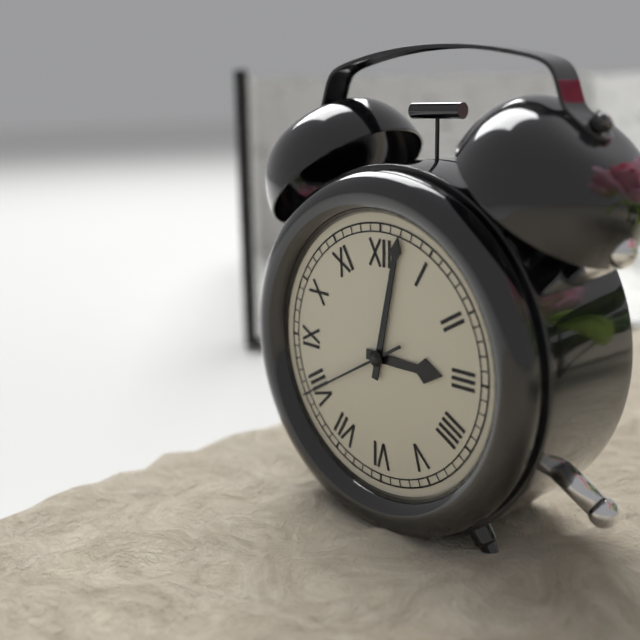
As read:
3,02,40
